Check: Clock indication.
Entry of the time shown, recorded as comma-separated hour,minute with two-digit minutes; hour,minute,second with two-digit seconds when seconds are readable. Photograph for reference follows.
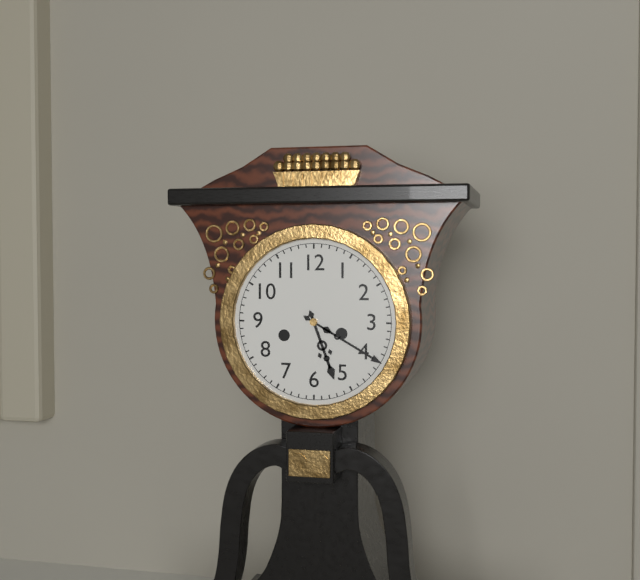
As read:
5,20
